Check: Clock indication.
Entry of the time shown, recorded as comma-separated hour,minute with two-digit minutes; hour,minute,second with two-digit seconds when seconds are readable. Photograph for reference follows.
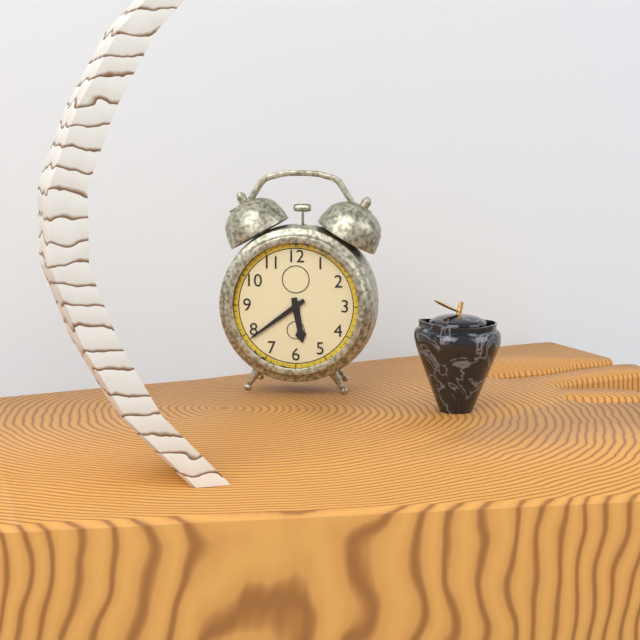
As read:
5,39
